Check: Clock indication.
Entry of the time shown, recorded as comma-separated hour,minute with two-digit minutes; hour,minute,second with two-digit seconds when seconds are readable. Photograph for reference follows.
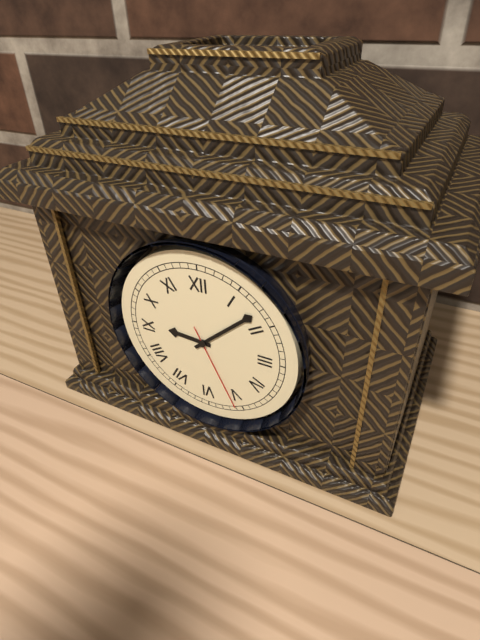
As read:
9,08,26
